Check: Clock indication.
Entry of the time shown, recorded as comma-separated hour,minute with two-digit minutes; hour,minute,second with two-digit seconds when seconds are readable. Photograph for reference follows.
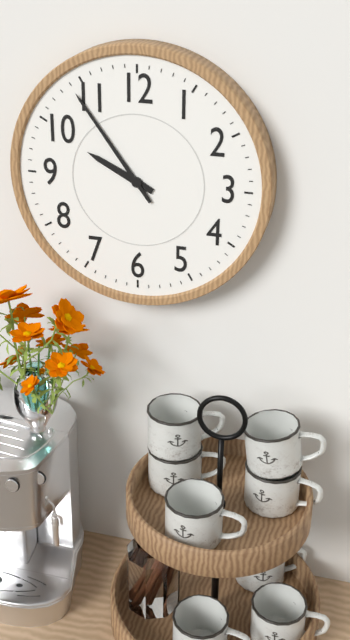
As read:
9,54
